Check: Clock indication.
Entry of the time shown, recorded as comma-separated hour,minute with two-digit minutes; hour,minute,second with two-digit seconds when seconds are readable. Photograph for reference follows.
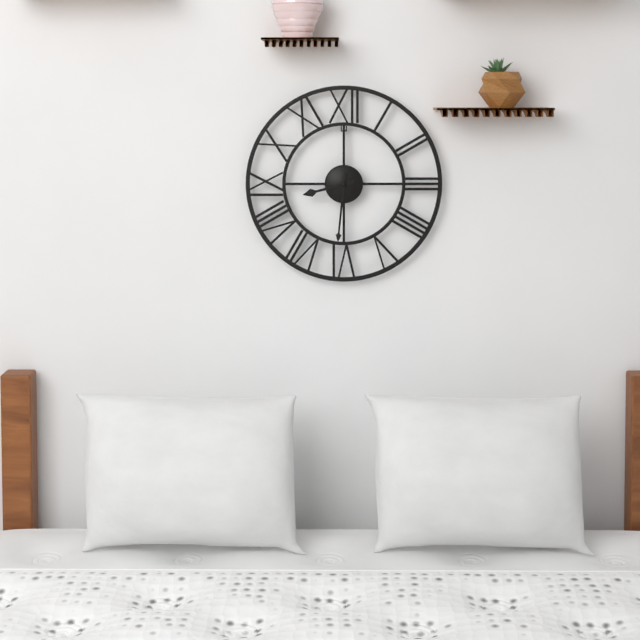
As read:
8,31
